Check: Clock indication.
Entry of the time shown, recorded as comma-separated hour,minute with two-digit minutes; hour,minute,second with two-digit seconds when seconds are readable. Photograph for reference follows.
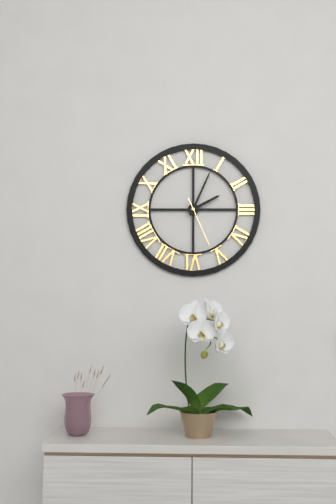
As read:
2,04,26
